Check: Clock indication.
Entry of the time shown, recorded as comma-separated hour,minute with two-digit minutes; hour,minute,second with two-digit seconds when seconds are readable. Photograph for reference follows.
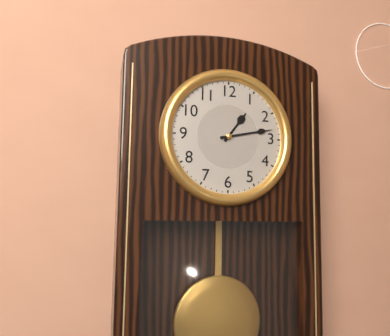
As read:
1,13
